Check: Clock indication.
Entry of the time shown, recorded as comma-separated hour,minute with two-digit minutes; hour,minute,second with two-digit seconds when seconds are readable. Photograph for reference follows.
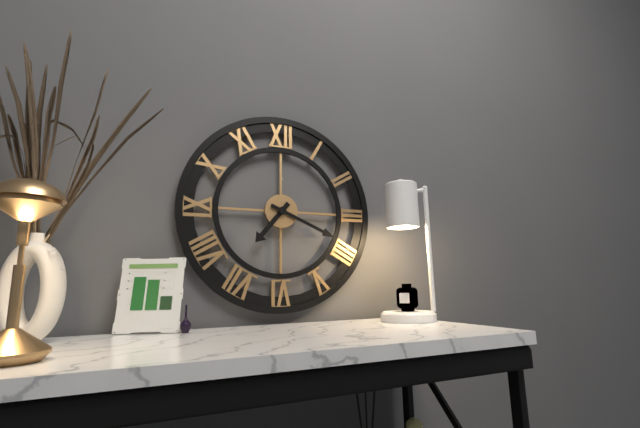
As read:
7,19
